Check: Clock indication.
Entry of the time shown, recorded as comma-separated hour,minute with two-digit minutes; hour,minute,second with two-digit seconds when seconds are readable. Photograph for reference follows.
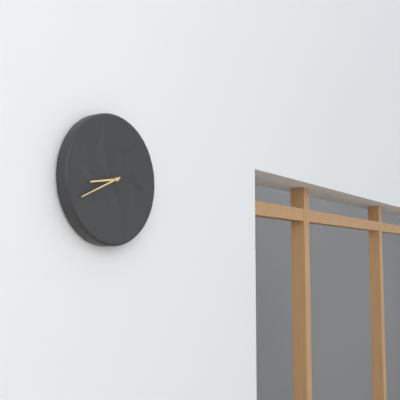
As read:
8,41
